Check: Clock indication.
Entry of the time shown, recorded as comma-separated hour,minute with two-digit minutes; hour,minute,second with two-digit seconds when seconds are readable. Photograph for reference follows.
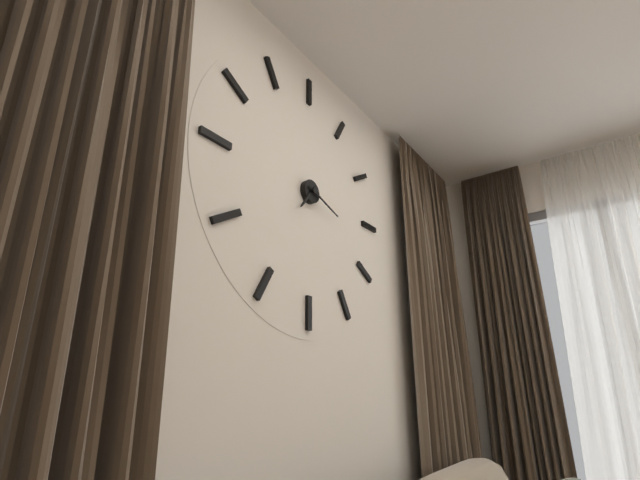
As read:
7,18
